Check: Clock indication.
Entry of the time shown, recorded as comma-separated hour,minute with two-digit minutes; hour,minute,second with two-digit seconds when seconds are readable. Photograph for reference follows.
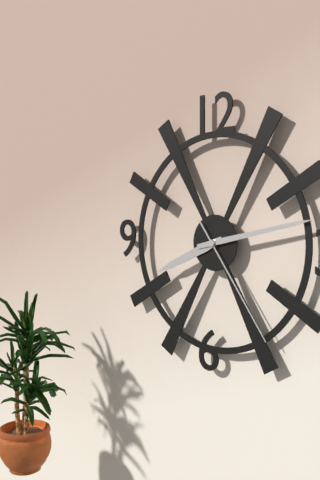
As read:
8,13,24
